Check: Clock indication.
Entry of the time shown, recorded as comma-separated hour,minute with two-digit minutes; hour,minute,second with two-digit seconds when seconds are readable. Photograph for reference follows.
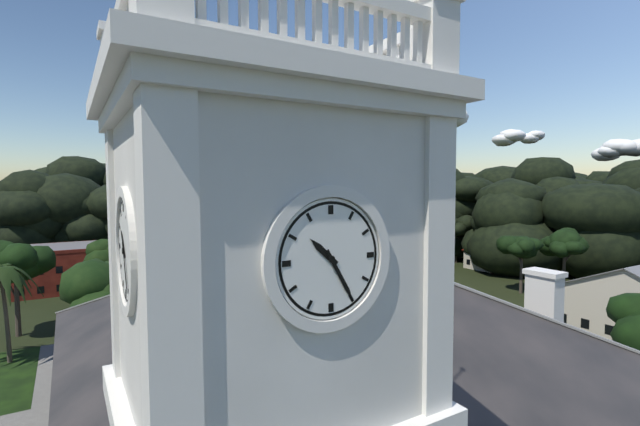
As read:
10,25
